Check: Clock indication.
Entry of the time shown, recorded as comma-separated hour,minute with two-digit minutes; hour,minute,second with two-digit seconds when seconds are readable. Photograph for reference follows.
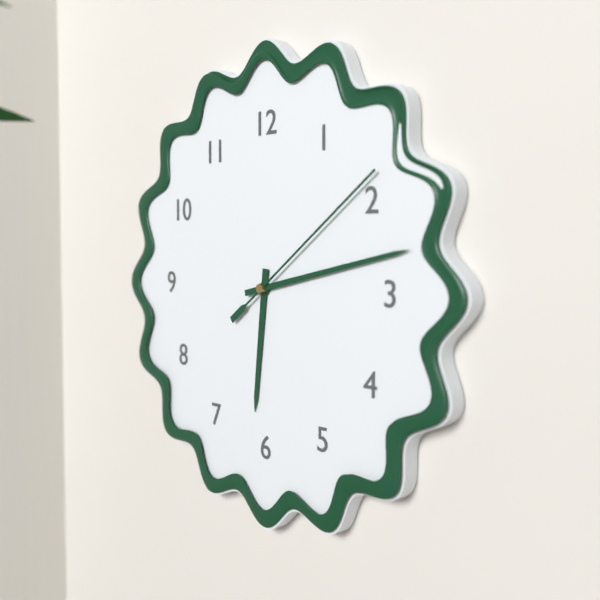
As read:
6,13,09
